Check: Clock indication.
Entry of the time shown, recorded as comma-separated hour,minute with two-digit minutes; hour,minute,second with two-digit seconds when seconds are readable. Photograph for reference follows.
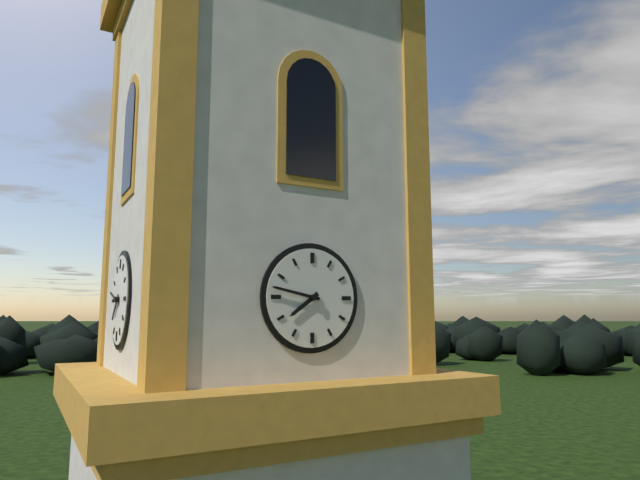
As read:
7,47
